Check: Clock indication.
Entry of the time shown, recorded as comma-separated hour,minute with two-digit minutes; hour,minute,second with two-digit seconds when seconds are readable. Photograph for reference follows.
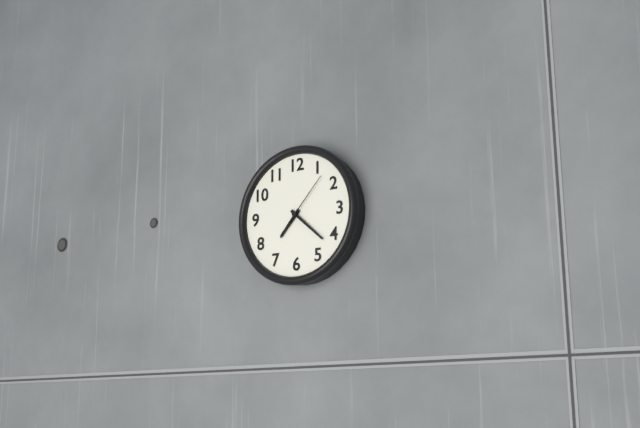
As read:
7,22,07
